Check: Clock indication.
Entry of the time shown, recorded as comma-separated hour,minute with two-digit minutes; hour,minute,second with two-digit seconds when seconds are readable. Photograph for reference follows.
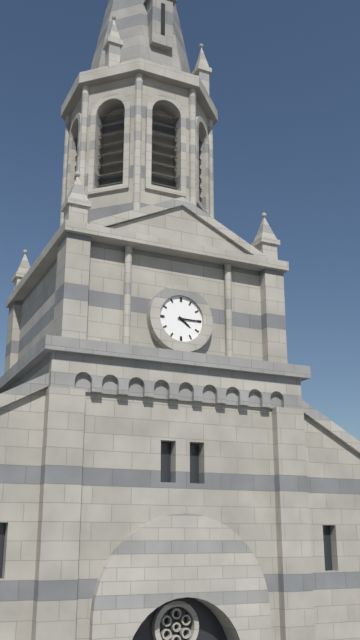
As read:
4,15
